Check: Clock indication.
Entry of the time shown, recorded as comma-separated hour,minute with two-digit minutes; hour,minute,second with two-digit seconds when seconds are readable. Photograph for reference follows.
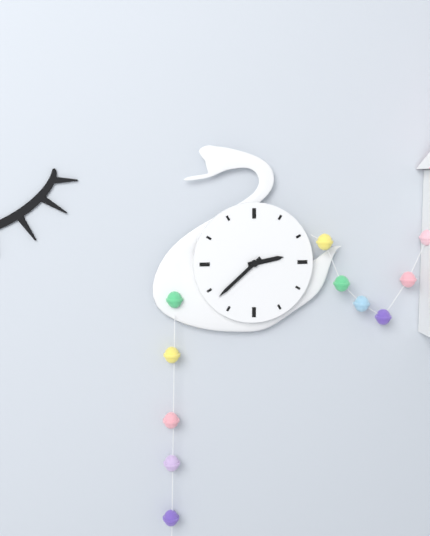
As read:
2,38
